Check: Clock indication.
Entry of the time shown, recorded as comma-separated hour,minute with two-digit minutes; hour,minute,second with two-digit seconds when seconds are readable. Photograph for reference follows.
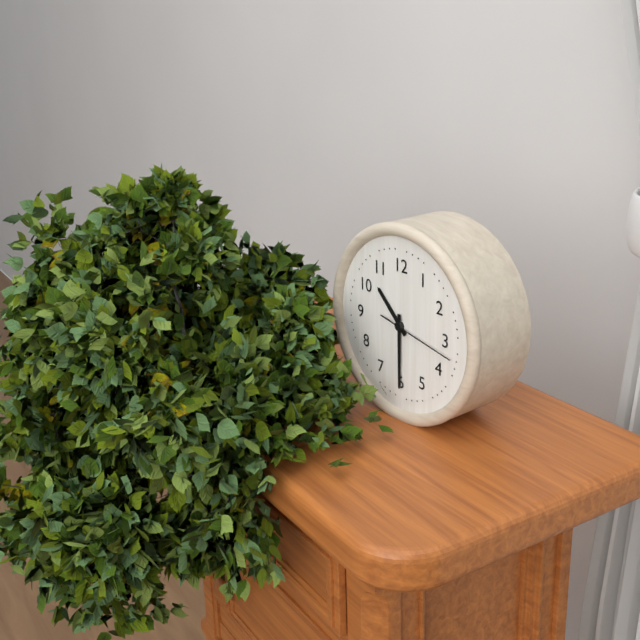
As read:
10,30,17
